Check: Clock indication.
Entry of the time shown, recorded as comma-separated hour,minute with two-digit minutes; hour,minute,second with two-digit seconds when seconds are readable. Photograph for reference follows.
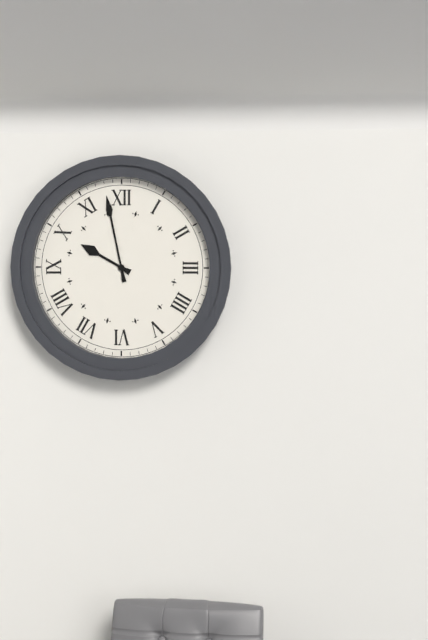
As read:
9,58
